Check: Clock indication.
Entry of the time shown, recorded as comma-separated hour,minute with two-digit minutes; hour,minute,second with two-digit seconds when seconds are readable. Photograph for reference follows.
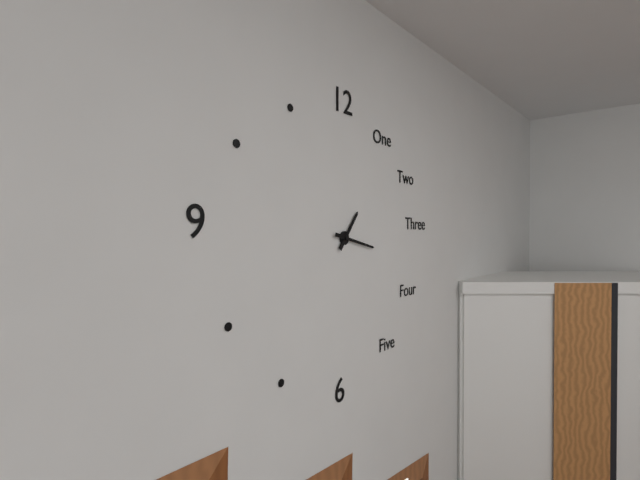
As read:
1,17
